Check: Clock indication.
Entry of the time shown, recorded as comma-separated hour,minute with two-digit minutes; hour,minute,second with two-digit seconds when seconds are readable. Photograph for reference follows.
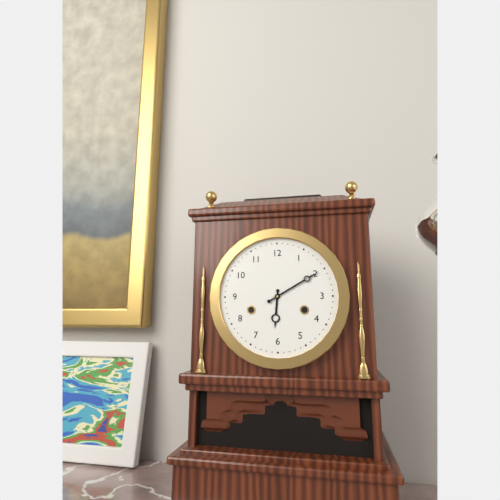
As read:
6,10
